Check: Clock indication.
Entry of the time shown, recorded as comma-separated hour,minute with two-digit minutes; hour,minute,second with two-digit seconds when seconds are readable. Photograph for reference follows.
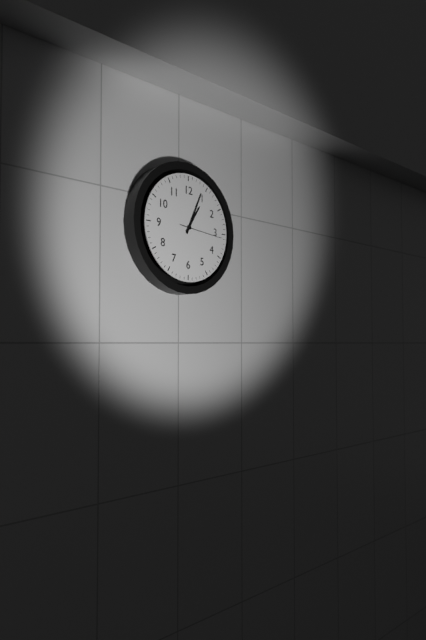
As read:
1,04
